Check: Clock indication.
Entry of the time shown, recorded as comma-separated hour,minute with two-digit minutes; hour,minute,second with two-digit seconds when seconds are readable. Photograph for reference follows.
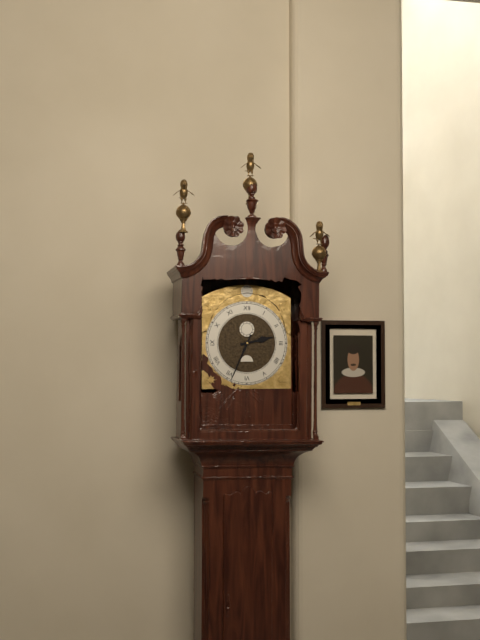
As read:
2,34
